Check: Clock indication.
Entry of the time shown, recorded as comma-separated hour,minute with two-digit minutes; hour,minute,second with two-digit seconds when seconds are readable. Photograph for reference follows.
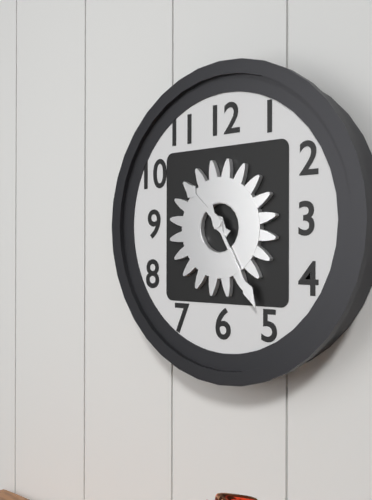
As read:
10,25
